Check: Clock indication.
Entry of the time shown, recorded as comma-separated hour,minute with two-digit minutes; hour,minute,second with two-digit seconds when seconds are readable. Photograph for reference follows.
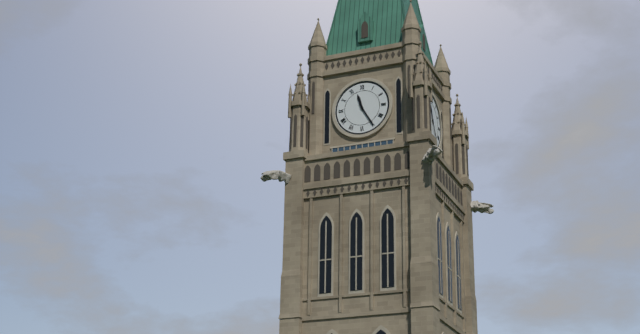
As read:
11,25
